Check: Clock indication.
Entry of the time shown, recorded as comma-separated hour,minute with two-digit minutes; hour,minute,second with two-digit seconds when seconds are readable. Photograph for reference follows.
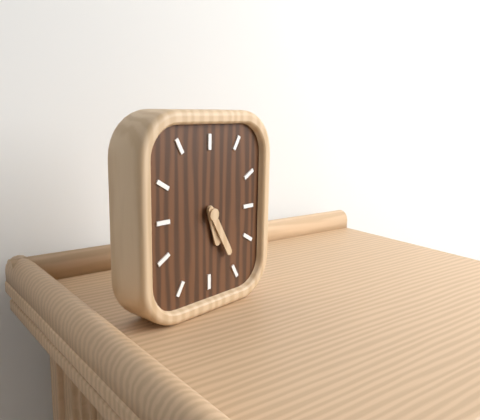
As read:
5,25
